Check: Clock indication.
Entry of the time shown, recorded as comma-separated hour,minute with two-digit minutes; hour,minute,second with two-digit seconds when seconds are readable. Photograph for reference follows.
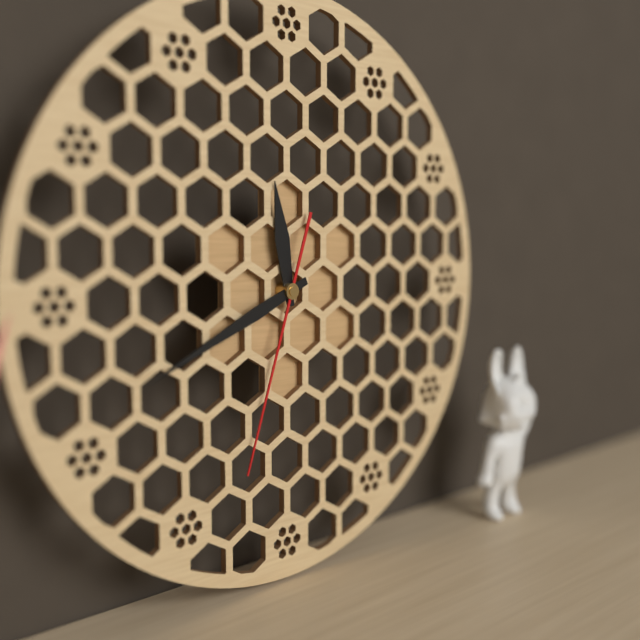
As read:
11,41,33
